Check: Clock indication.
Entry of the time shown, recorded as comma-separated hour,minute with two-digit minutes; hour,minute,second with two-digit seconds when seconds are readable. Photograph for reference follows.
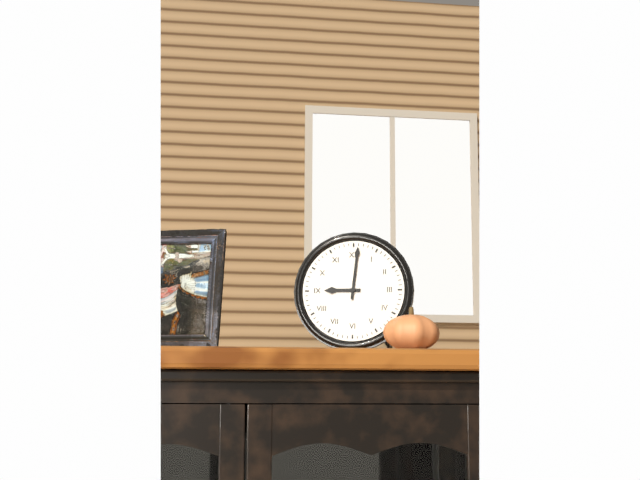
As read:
9,01
